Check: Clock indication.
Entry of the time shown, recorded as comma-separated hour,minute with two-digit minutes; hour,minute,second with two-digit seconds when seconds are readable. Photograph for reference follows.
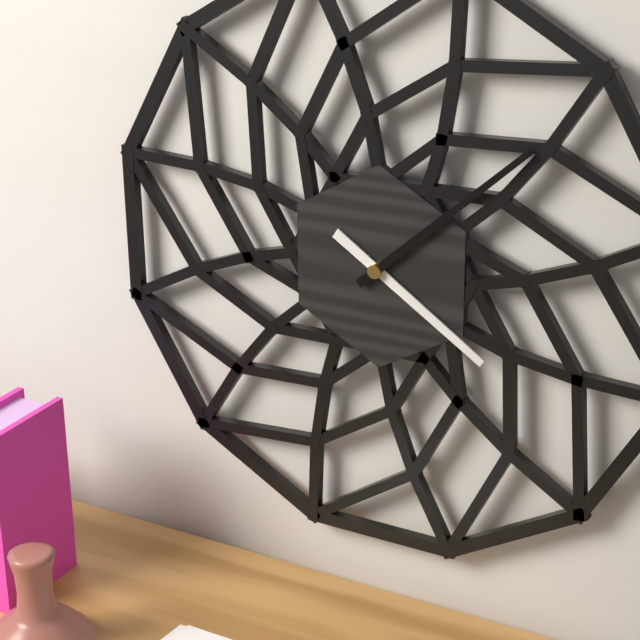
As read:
4,08
